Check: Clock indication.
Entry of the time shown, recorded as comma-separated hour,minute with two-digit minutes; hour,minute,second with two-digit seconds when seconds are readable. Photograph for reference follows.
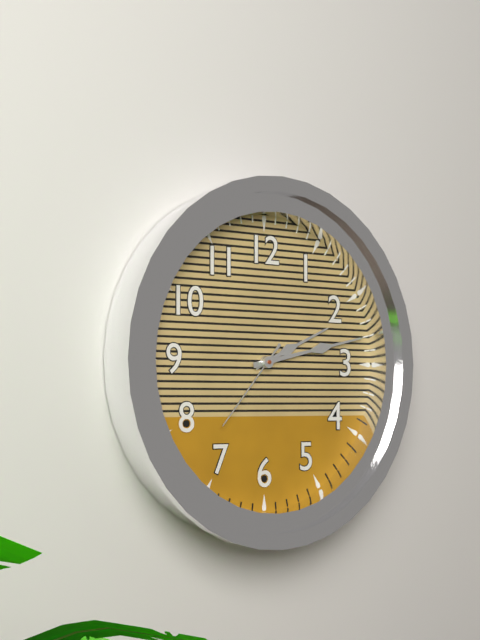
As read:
2,13,37
